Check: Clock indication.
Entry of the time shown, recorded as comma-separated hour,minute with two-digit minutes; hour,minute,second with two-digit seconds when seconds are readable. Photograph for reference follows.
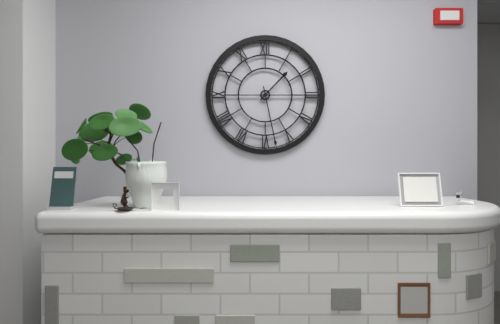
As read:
1,28
